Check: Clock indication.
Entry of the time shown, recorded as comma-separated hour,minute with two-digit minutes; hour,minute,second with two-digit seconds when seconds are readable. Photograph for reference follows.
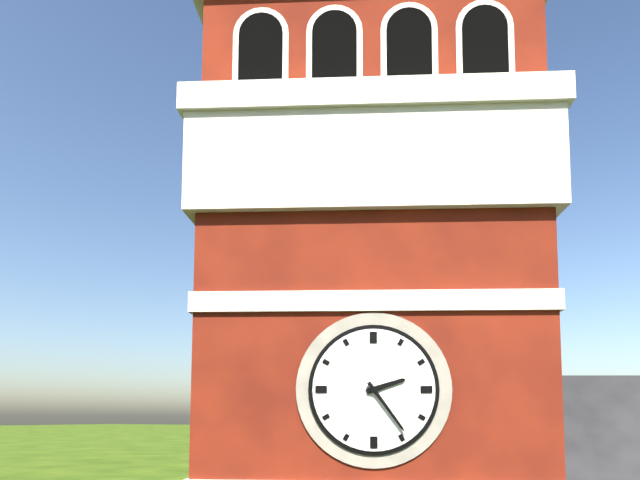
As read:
2,24
